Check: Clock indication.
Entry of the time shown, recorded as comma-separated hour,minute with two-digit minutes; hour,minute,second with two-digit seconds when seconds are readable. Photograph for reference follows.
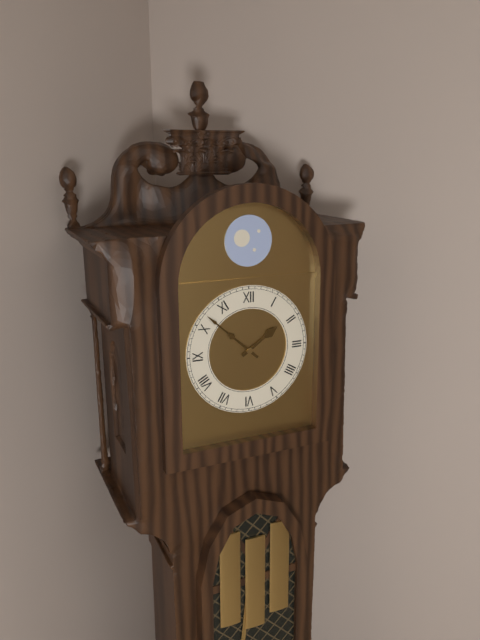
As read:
1,52
